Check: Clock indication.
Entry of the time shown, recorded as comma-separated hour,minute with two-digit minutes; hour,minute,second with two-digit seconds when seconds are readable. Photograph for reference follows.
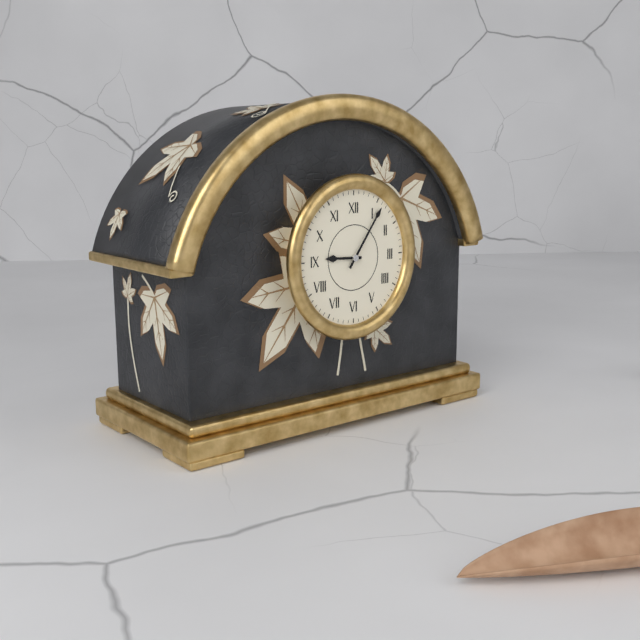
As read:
9,06
